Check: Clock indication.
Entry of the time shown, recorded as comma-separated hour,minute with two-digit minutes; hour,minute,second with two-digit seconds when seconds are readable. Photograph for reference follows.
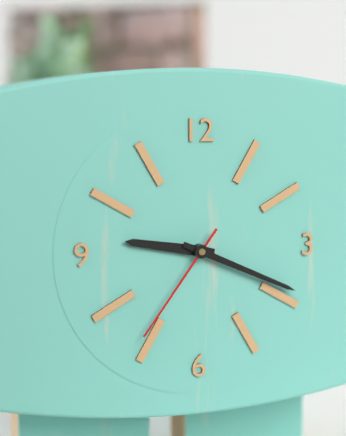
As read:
9,19,36
